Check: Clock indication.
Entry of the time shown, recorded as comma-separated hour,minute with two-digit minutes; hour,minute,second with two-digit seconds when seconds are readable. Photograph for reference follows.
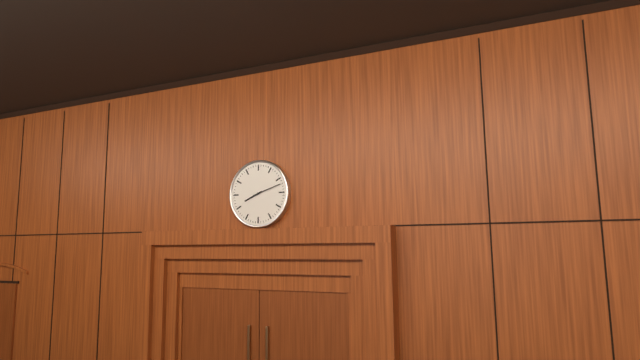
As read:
8,12
